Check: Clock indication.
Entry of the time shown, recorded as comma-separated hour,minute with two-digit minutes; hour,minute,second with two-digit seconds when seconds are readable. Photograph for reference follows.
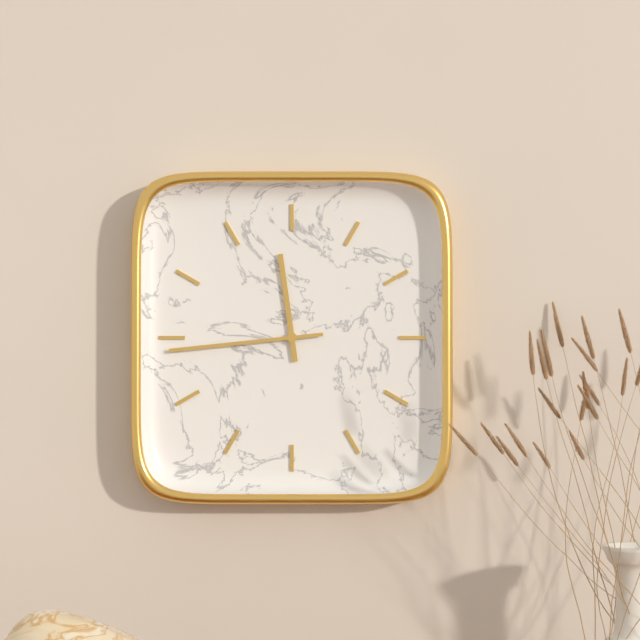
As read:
11,44
